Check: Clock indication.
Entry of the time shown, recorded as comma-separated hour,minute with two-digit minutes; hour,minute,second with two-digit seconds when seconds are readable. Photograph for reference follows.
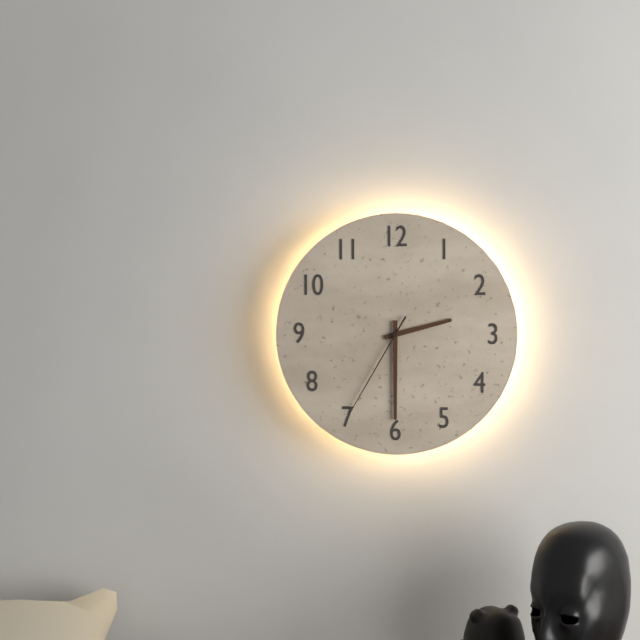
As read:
2,30,35
